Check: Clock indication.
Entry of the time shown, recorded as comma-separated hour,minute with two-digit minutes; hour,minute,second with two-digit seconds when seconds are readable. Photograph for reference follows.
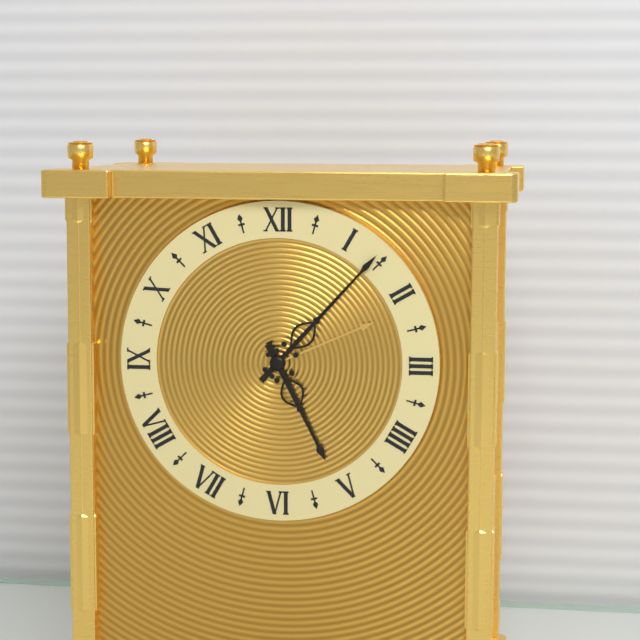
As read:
5,07
